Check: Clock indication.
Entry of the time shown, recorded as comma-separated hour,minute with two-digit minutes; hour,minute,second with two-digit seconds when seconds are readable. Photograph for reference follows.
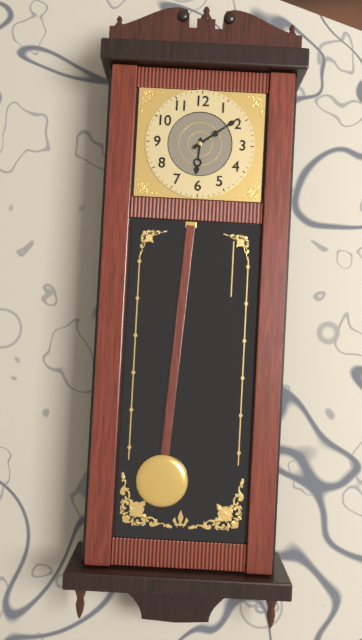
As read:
6,09
